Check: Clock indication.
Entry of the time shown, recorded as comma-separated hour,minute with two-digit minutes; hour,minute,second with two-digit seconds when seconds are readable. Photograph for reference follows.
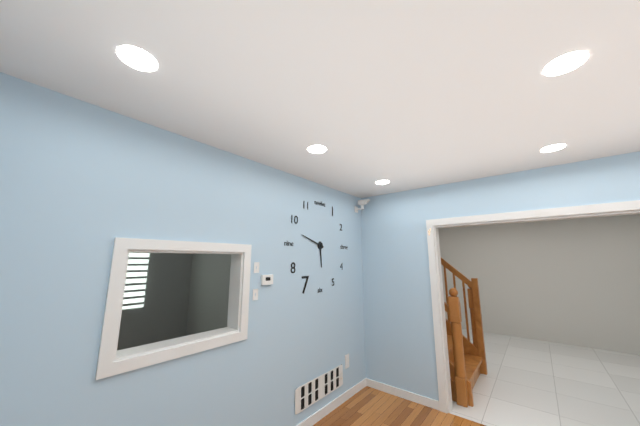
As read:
5,48
